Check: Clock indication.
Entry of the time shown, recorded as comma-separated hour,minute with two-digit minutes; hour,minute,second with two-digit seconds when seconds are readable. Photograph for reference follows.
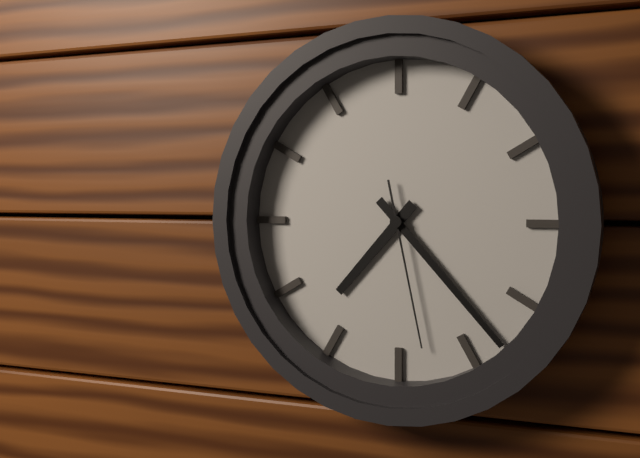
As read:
7,23,28
